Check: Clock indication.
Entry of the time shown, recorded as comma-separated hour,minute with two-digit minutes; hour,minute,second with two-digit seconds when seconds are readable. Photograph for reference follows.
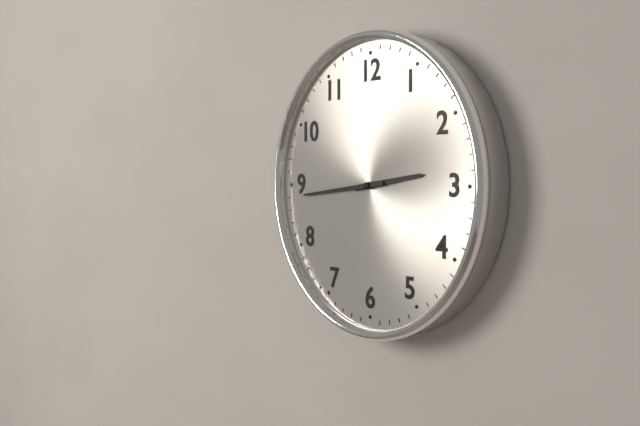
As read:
2,44
